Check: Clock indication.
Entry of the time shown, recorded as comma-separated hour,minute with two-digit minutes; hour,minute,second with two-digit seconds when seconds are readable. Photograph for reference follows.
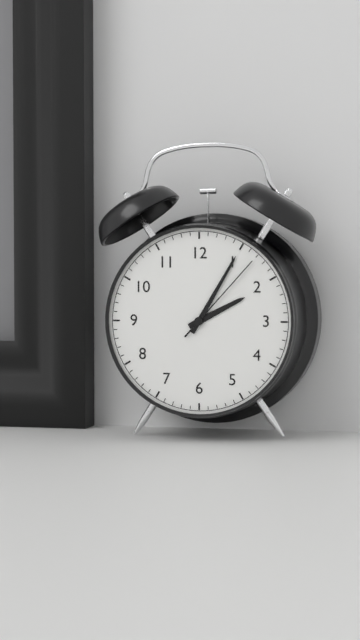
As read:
2,05,07
